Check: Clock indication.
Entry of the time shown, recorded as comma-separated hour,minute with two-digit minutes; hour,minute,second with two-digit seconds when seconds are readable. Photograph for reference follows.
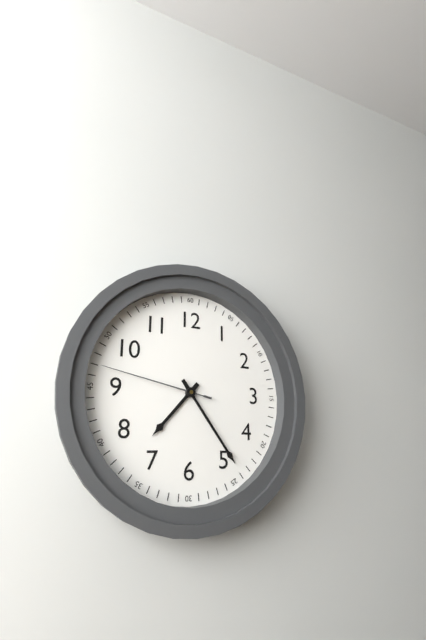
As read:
7,24,47
